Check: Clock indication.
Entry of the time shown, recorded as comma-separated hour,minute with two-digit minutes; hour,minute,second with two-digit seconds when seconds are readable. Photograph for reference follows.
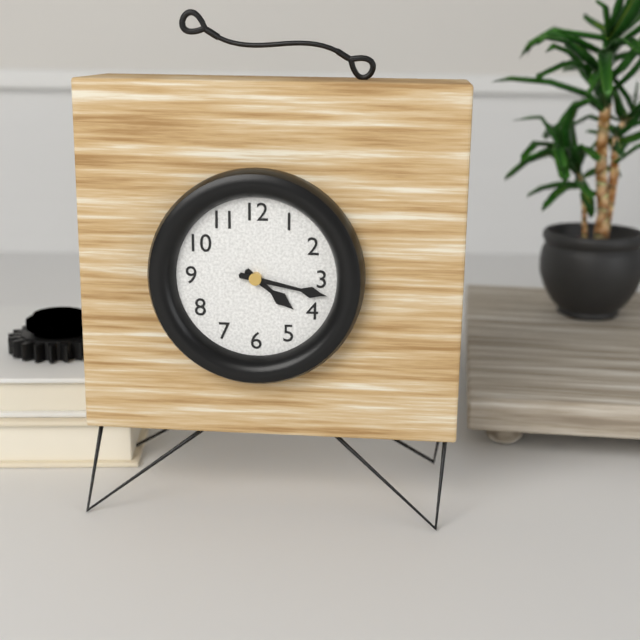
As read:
4,17
